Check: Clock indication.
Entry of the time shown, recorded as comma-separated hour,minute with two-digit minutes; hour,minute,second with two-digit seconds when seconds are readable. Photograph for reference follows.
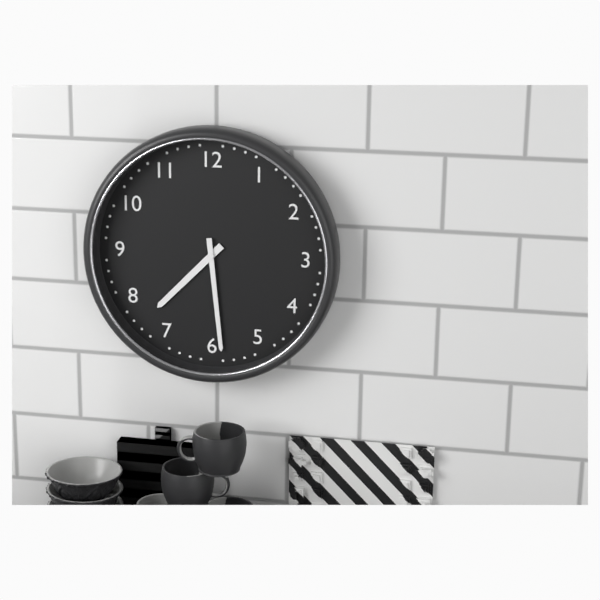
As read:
7,29
